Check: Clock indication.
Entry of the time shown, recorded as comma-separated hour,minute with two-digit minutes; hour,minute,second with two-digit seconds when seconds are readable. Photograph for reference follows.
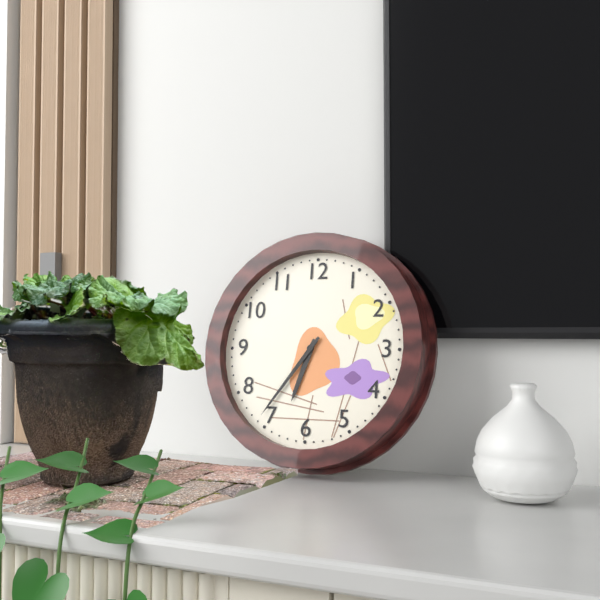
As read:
6,36
